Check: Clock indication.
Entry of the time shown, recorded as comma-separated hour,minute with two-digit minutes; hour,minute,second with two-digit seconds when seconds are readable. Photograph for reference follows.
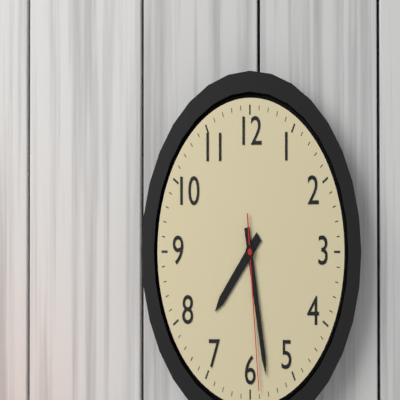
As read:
7,28,29
